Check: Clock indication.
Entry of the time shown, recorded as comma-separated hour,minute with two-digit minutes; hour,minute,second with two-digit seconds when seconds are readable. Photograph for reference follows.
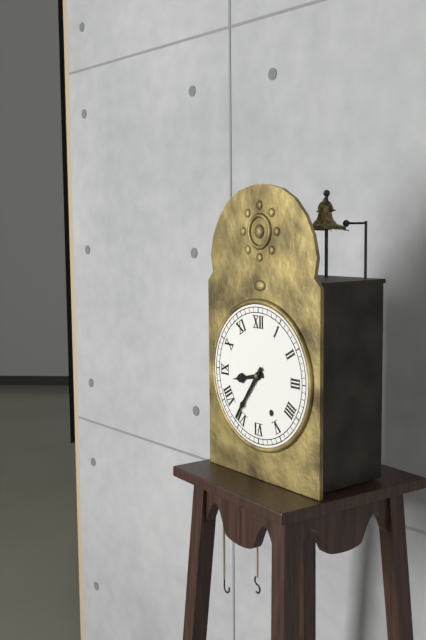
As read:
8,36
